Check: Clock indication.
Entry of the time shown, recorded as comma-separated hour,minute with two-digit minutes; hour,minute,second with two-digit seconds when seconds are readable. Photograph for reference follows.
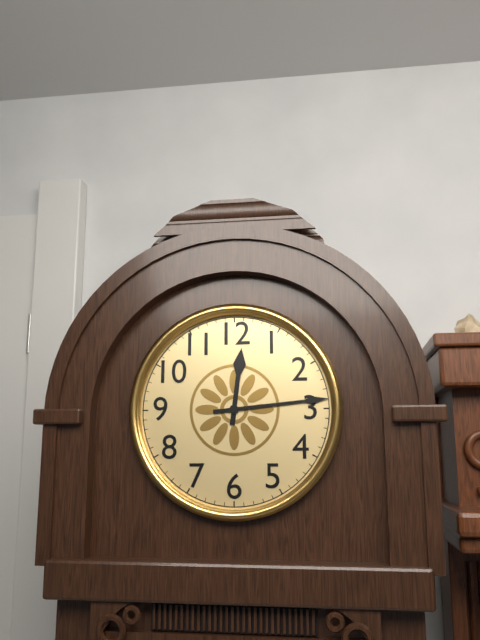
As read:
12,14
